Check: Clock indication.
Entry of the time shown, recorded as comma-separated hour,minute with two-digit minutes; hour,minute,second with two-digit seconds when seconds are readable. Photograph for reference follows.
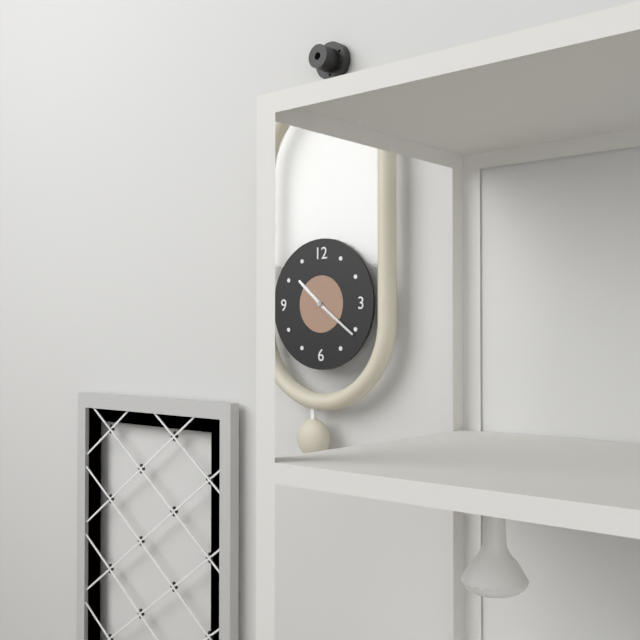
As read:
10,21
